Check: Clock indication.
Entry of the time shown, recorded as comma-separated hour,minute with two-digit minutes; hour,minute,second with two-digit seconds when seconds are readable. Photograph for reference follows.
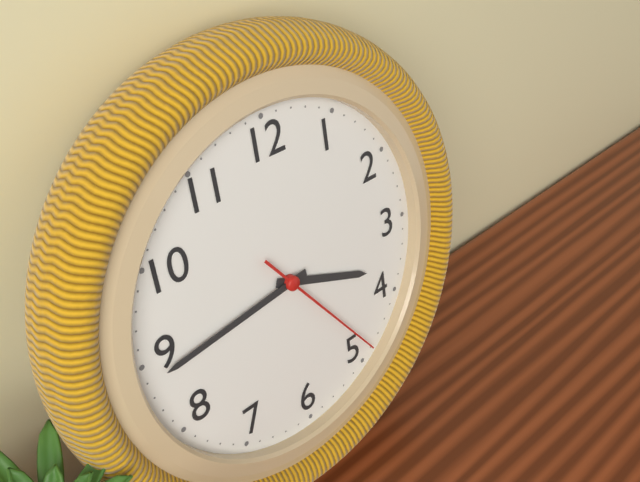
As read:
3,44,24
